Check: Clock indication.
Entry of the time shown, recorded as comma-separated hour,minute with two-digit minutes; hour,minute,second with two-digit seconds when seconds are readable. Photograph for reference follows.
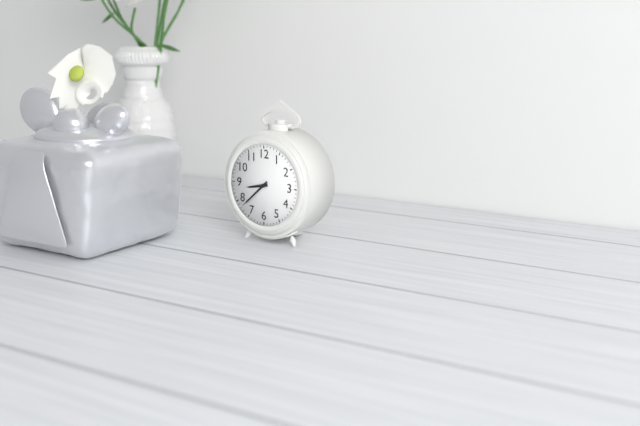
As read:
8,38
